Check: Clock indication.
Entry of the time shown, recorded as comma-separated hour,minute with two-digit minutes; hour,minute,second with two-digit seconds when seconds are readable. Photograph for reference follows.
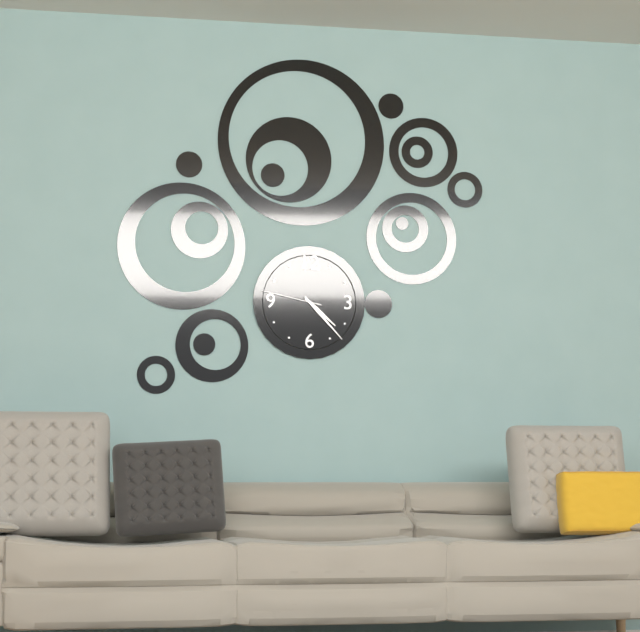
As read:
4,23,47
